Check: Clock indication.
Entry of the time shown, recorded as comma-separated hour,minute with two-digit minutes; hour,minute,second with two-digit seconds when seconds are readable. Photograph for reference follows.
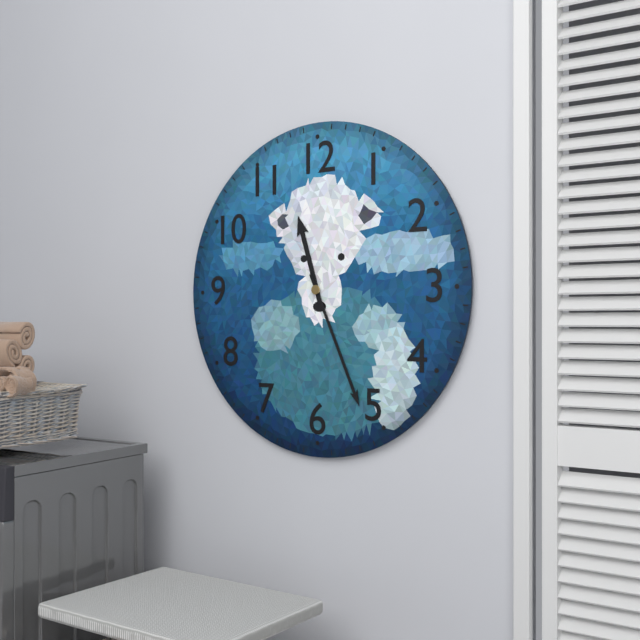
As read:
11,26
